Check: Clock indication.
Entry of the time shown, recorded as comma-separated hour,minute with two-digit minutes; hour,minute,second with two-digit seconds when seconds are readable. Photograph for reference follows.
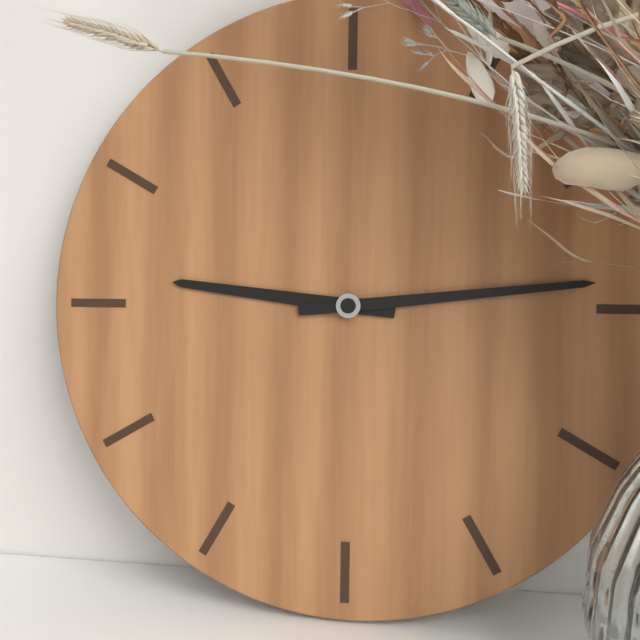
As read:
9,14
